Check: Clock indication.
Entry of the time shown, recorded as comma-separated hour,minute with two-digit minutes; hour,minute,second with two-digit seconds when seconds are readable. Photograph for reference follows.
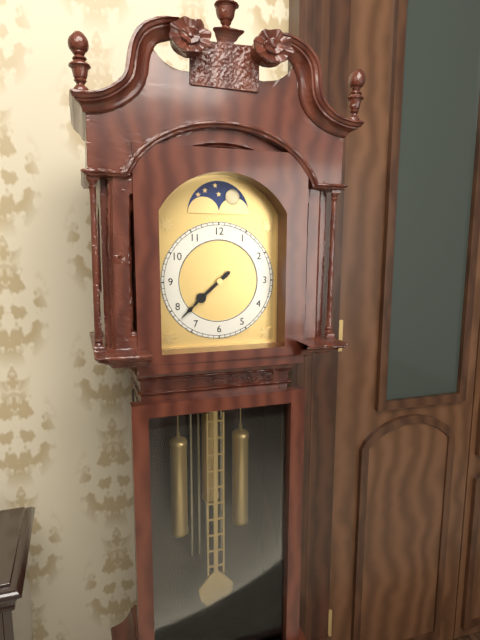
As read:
7,38
